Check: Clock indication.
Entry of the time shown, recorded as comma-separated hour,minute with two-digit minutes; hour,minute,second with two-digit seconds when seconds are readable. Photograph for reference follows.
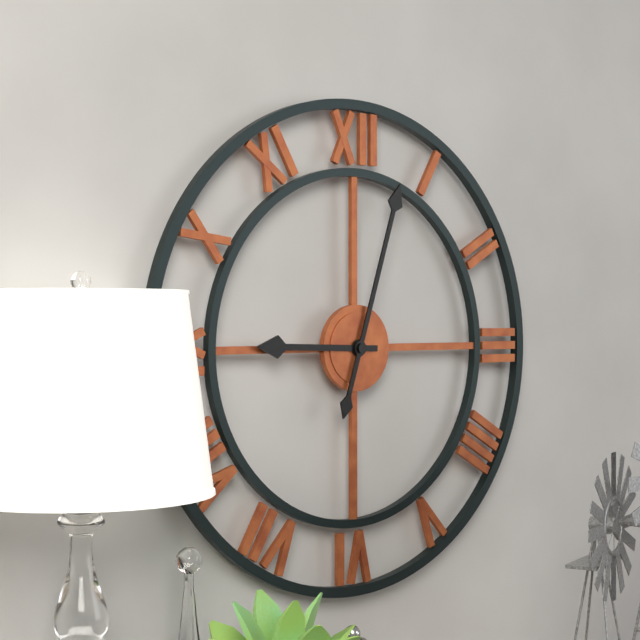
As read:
9,03
